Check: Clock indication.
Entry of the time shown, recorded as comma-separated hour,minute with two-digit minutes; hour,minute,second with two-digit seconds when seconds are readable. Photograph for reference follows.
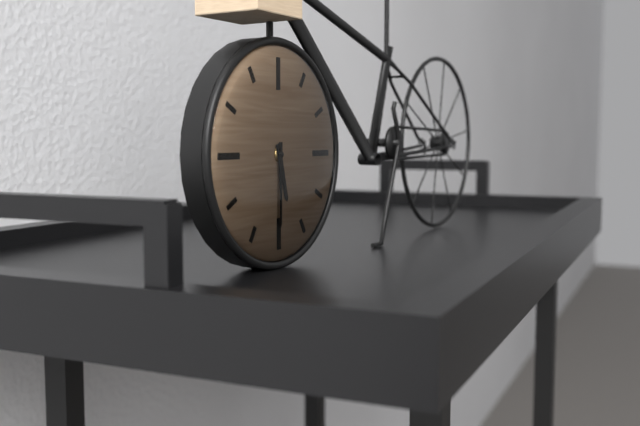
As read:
5,30
